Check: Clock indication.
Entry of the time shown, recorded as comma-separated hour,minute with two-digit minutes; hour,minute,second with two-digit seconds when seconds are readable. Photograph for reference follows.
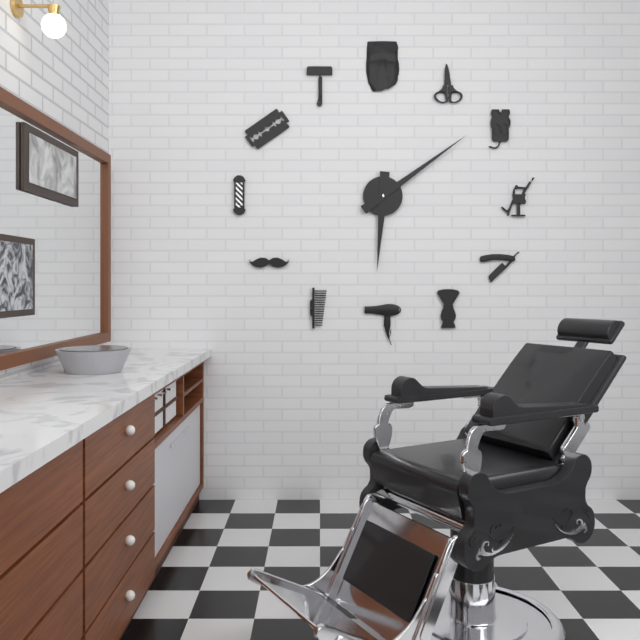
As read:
6,09
